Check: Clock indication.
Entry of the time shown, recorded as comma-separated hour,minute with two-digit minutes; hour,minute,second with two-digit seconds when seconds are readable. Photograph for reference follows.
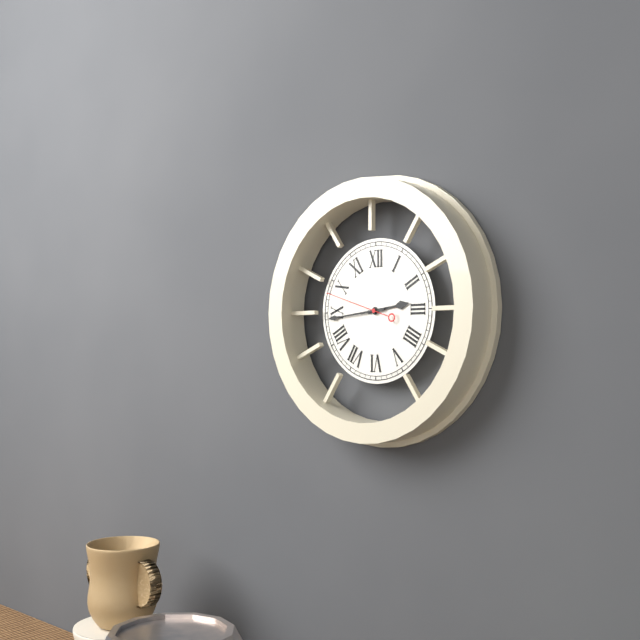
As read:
2,44,48
